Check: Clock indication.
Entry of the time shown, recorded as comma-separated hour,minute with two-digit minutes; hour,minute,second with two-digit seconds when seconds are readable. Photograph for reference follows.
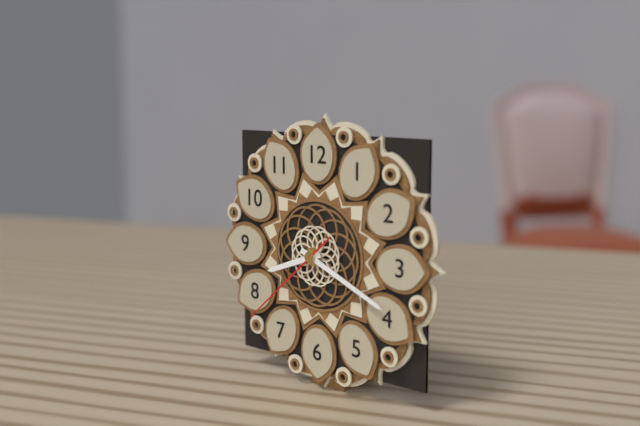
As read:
8,19,38
